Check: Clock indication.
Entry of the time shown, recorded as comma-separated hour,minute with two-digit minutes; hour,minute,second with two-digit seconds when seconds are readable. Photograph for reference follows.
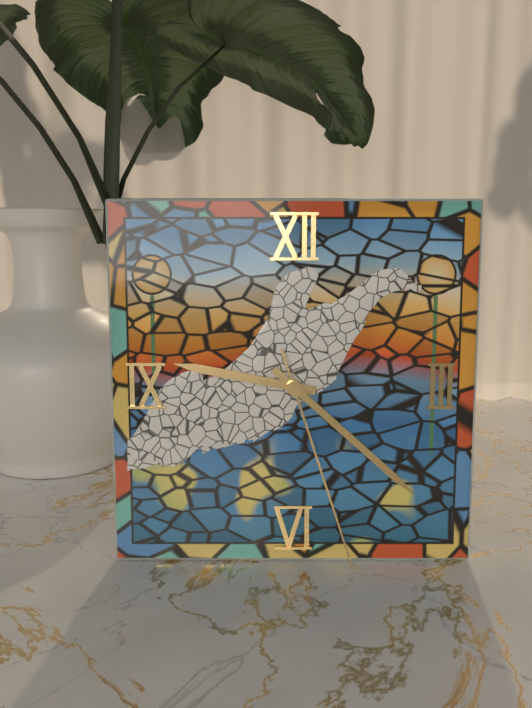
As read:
9,22,27
